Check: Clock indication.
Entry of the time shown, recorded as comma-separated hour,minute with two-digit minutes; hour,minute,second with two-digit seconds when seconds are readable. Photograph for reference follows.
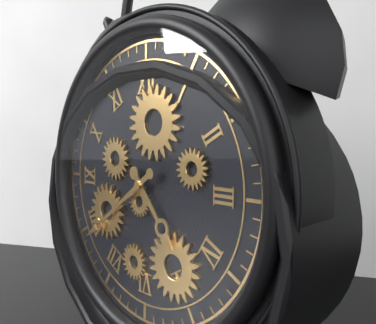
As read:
4,39
